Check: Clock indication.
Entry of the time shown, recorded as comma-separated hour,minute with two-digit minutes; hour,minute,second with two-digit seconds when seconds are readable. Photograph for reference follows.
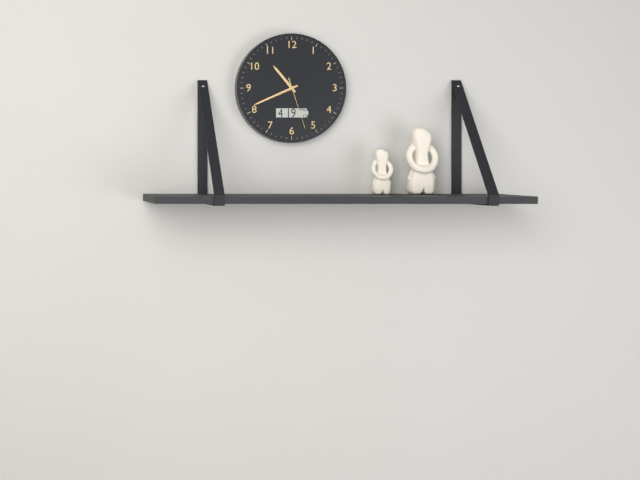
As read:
10,41,27
